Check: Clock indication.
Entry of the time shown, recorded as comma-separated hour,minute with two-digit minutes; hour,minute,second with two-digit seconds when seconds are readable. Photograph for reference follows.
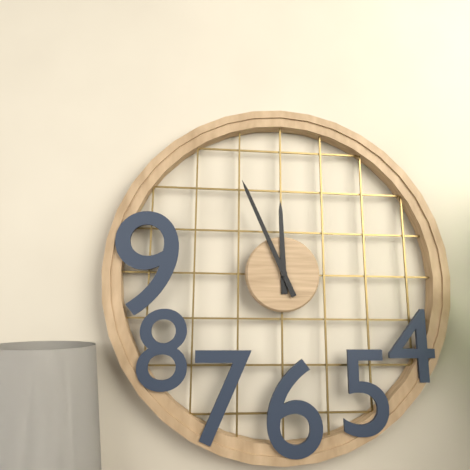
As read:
11,56
